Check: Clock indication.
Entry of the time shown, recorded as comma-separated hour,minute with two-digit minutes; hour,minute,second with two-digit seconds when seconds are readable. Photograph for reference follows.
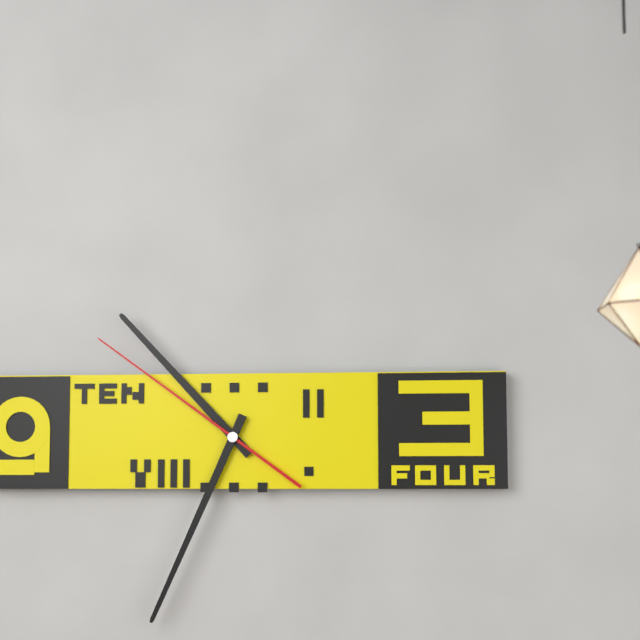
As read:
10,34,51
